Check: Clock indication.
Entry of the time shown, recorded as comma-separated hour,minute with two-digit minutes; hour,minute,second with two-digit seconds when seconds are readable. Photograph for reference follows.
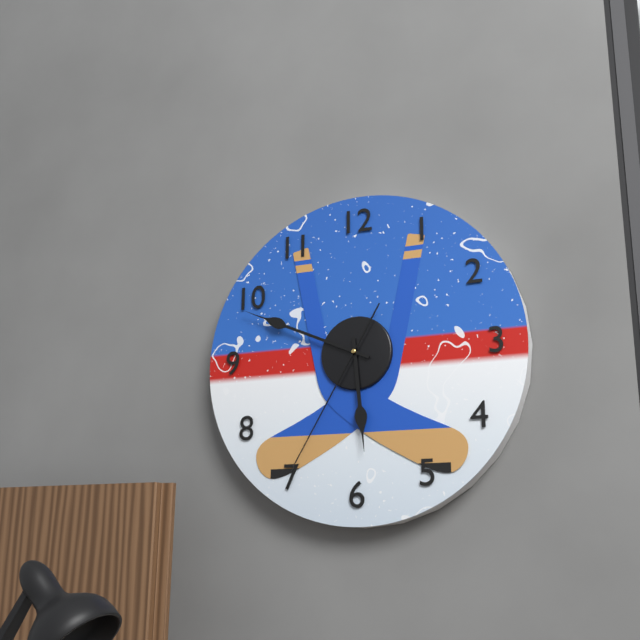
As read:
5,49,35
